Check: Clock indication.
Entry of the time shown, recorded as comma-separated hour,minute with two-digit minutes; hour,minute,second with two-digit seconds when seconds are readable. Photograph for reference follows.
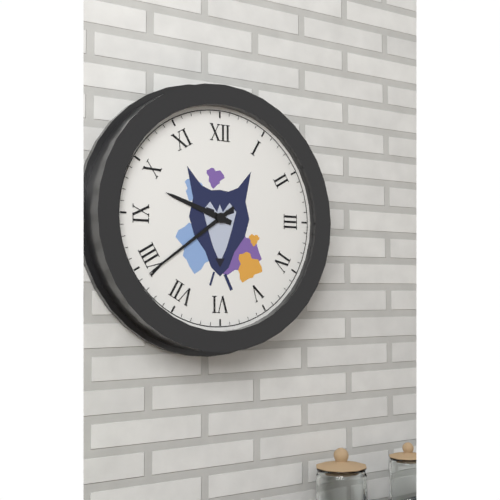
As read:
9,39
